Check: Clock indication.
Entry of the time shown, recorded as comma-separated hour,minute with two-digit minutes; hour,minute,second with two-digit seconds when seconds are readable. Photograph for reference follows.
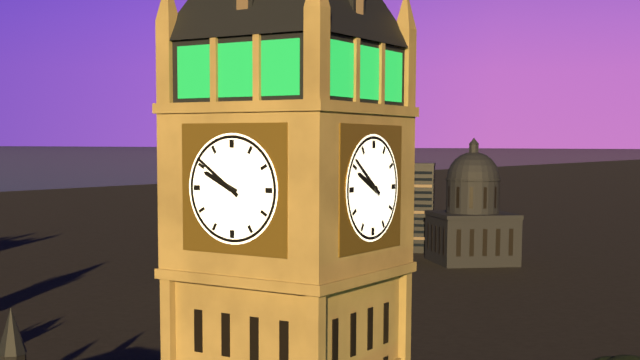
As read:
9,51
